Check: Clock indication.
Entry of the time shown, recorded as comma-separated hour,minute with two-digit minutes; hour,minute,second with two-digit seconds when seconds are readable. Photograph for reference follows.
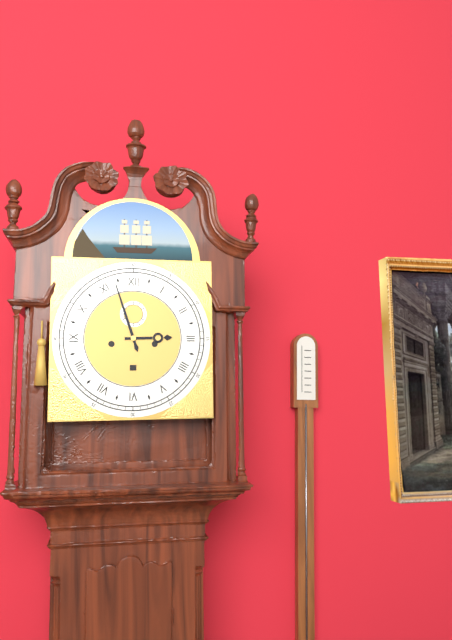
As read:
2,57
